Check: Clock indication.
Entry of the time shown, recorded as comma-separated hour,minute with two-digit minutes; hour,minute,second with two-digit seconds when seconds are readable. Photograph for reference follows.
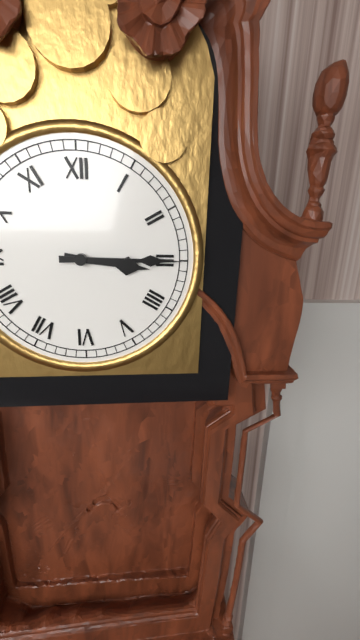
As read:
3,15
